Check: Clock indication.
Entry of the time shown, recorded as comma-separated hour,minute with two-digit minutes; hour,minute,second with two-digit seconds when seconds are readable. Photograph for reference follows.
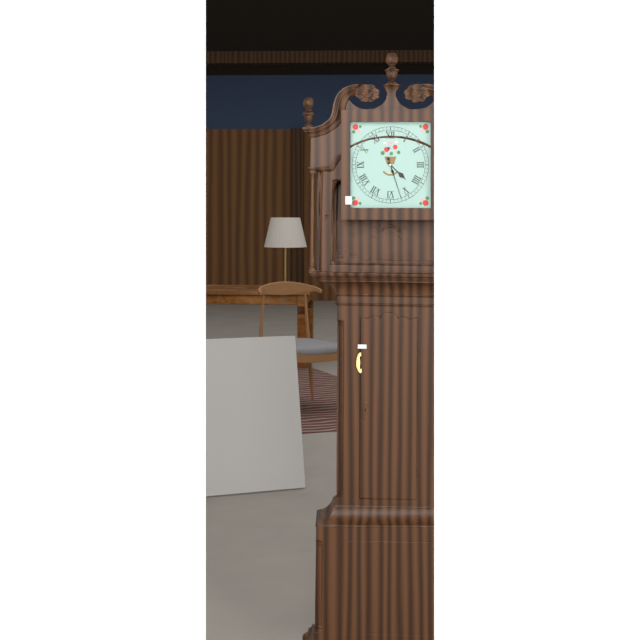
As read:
4,27
